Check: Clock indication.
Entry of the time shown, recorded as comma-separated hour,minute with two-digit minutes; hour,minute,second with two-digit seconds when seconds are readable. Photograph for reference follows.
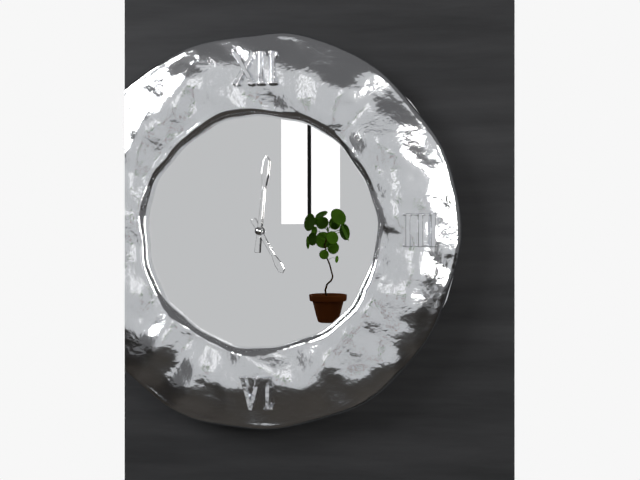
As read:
5,01
